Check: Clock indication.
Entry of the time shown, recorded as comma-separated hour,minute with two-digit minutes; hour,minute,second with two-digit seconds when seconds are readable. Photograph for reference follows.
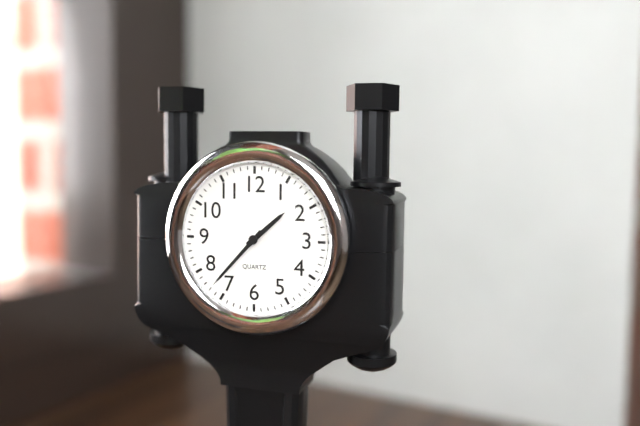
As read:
1,37
